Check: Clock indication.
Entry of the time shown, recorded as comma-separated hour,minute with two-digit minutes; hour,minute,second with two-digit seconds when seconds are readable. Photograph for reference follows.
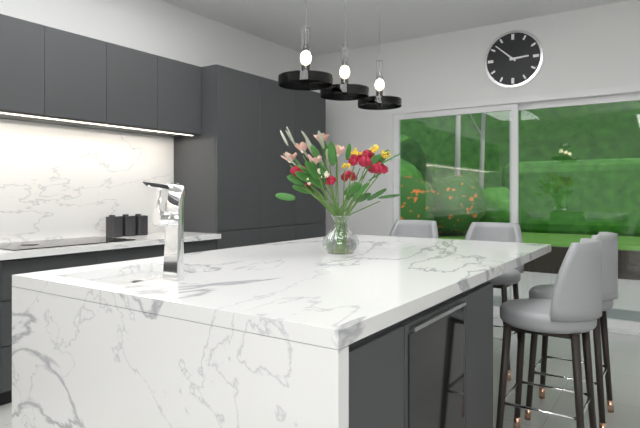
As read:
2,52
